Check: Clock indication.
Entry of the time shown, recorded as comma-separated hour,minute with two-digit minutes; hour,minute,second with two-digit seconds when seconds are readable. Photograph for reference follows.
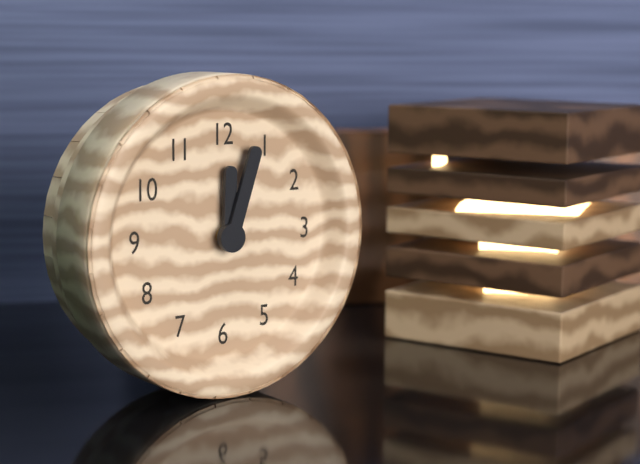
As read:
12,03
